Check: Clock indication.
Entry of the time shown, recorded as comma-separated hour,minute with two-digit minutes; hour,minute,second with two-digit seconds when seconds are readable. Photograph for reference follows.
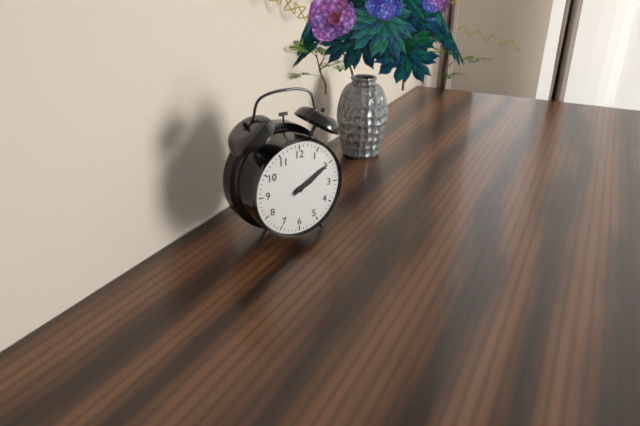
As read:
2,10
